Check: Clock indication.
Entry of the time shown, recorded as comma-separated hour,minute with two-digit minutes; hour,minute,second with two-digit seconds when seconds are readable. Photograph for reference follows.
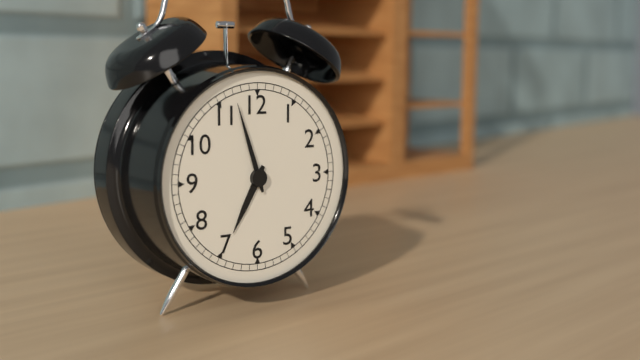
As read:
6,57
